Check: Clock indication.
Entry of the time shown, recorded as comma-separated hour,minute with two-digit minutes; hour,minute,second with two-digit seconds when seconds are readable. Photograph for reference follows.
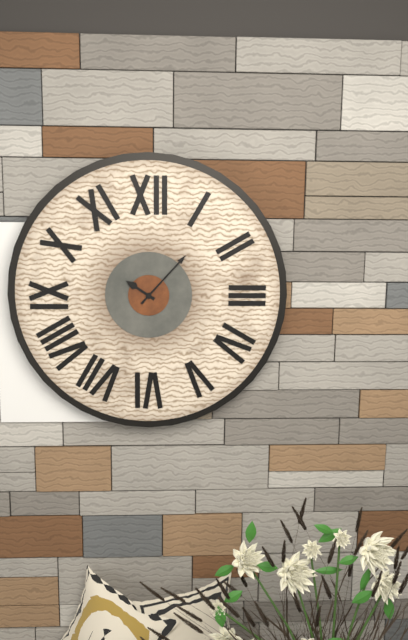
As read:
10,07
